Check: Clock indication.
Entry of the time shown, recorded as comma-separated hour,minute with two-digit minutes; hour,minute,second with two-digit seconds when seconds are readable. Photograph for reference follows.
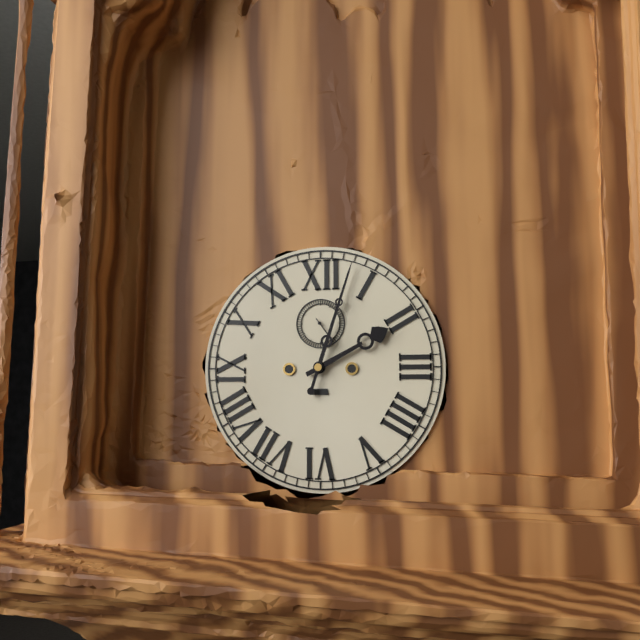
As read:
2,03
